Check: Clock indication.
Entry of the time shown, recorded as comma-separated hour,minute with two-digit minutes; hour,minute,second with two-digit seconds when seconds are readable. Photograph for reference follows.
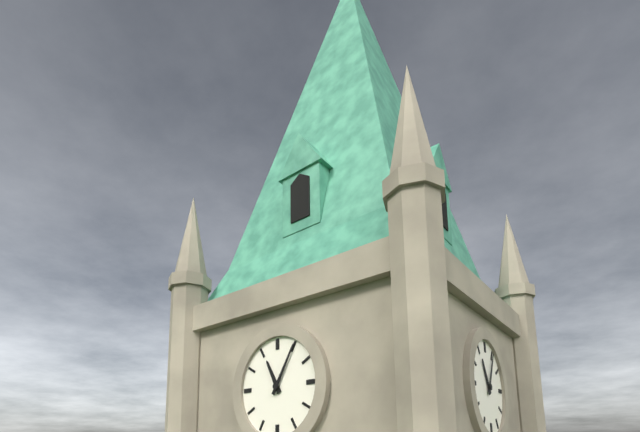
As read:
11,05
